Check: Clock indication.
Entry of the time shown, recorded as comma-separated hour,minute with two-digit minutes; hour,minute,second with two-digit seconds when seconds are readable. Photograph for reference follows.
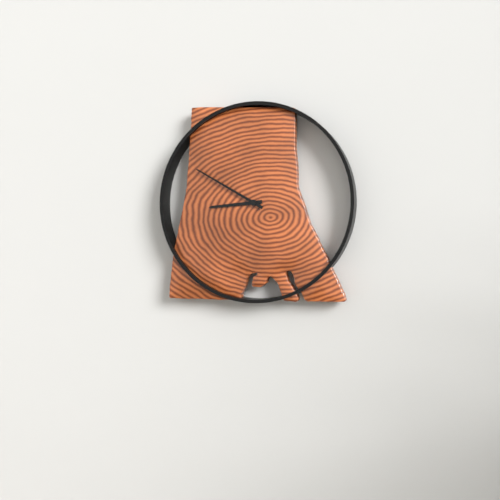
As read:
8,50
